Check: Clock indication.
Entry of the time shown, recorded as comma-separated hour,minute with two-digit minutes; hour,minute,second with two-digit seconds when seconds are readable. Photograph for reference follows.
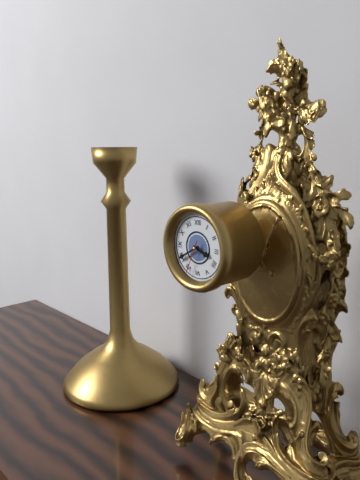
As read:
3,40
